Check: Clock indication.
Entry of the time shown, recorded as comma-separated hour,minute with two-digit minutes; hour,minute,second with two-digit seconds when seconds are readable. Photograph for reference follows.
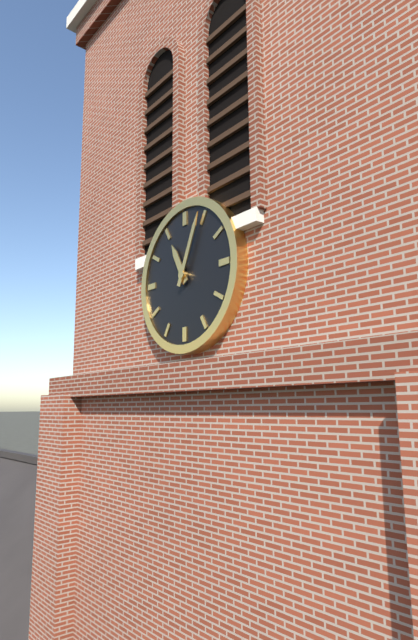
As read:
11,04
